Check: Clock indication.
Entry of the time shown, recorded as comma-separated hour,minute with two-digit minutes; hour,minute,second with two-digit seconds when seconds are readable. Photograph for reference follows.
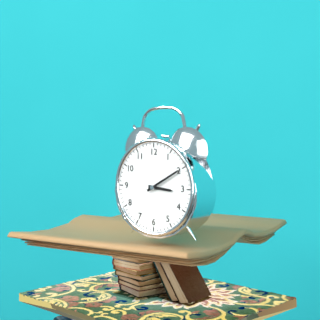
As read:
3,10
